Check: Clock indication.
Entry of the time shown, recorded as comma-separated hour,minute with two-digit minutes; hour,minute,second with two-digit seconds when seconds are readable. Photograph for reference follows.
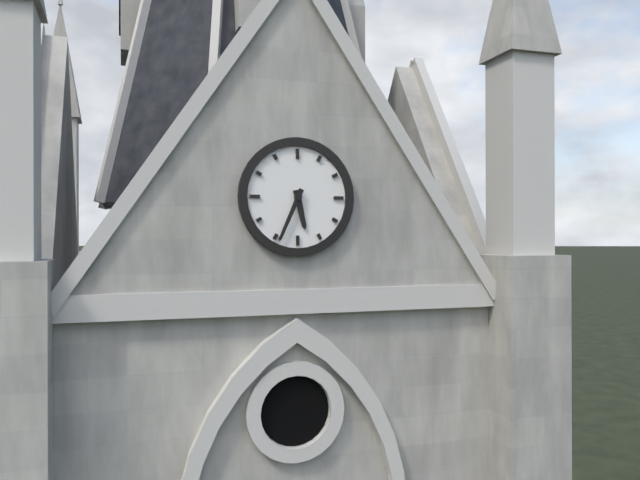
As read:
5,34
